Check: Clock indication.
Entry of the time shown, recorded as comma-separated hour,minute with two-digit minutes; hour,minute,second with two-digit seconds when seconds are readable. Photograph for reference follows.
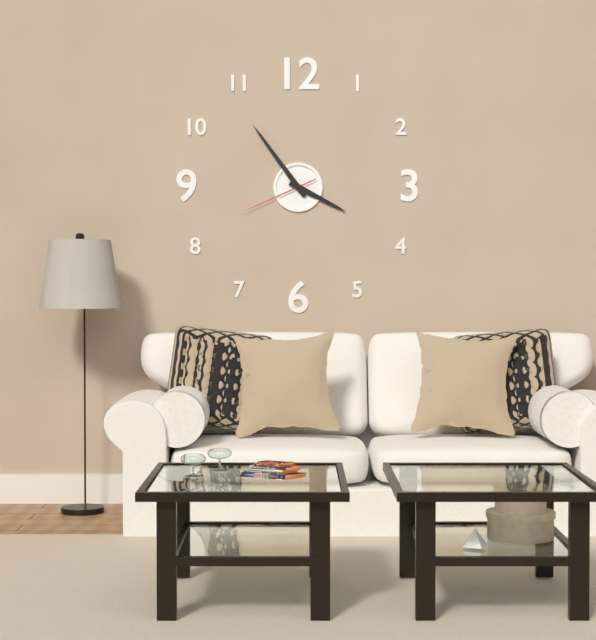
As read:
3,54,41
